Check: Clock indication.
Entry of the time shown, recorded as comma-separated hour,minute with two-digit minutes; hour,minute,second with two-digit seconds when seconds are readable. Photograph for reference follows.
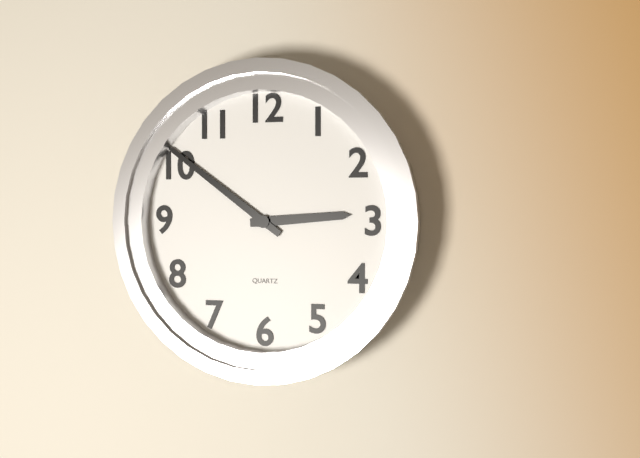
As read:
2,51
